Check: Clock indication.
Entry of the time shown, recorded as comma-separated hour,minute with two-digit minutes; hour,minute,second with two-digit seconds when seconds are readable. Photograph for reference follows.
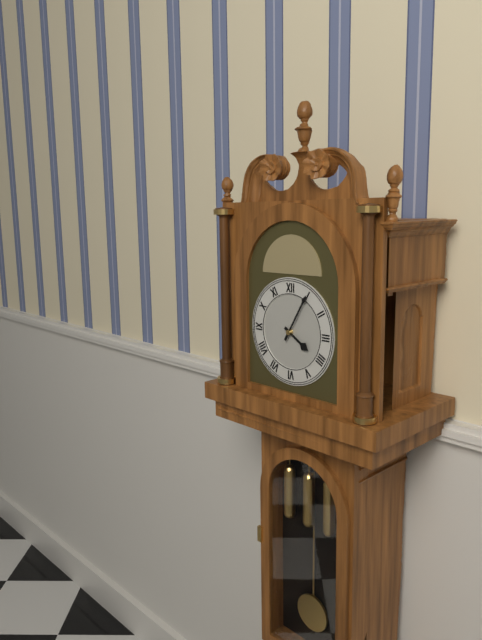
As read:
4,05
